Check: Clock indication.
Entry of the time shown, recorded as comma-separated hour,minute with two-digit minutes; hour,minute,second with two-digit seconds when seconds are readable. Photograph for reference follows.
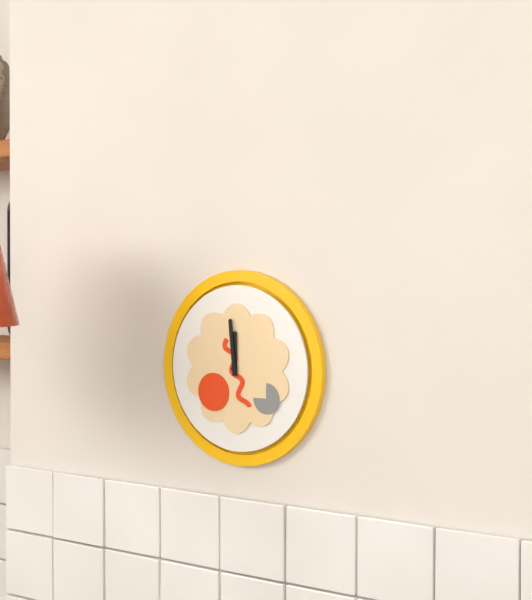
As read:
11,59
